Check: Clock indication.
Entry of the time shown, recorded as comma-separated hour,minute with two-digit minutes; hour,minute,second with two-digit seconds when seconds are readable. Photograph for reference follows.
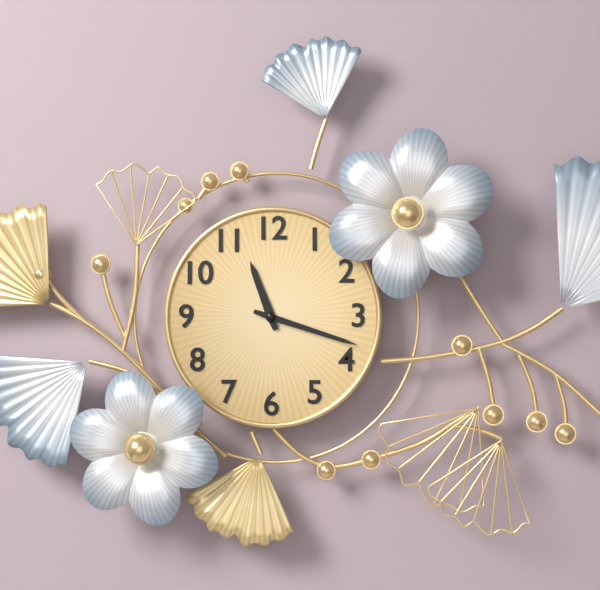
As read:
11,18
